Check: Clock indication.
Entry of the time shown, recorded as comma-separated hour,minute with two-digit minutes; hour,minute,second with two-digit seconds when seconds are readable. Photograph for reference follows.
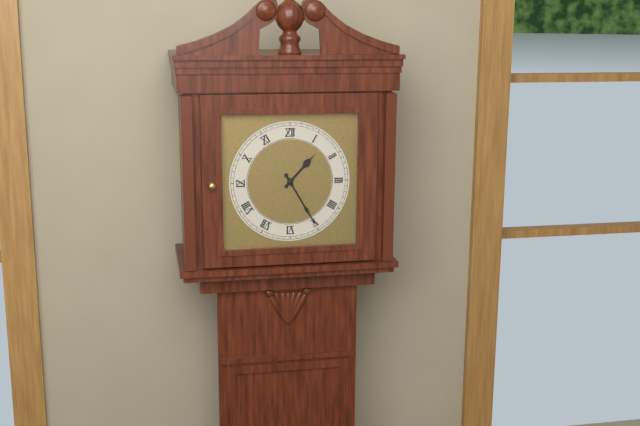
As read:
1,25
